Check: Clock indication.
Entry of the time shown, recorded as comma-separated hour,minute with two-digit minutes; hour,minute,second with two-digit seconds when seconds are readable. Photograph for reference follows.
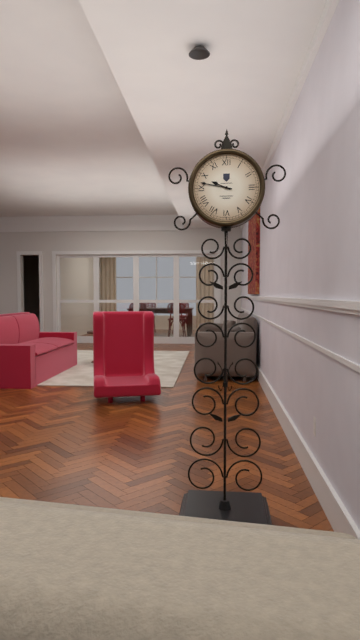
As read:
9,47
